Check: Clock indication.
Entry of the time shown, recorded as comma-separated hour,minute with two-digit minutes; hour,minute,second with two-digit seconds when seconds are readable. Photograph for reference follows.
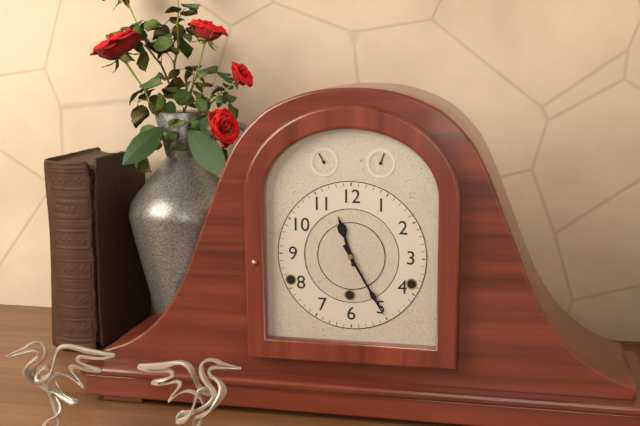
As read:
11,25
